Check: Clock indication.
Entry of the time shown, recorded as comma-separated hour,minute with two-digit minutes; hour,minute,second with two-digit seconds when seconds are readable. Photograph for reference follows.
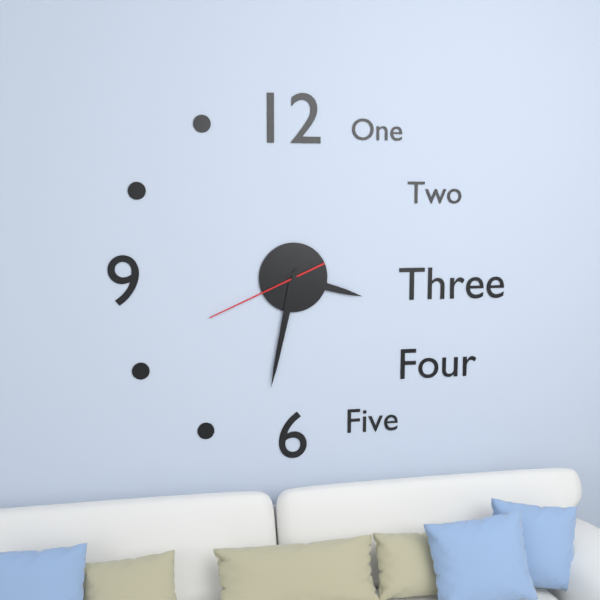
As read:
3,32,41
